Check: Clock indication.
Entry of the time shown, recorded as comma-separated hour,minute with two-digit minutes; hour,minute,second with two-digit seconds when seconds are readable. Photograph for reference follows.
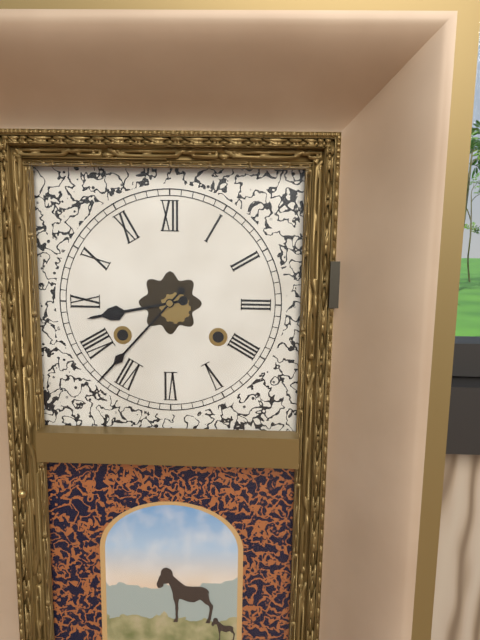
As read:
8,37
